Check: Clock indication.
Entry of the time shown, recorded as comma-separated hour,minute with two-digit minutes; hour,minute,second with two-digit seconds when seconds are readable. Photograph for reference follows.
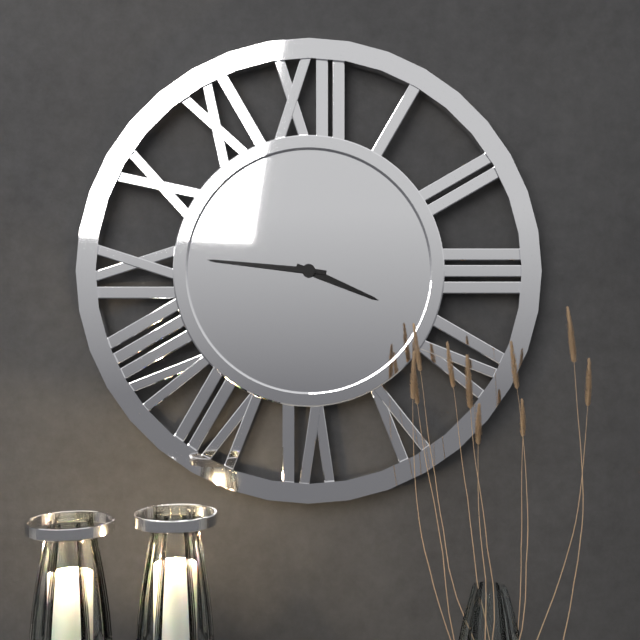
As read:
3,46
